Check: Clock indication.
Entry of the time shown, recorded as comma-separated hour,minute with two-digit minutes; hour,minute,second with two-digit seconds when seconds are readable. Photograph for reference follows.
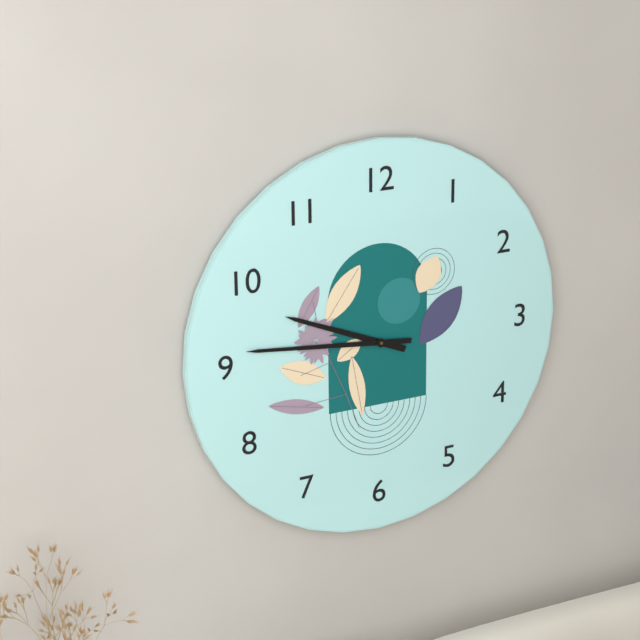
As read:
9,46
